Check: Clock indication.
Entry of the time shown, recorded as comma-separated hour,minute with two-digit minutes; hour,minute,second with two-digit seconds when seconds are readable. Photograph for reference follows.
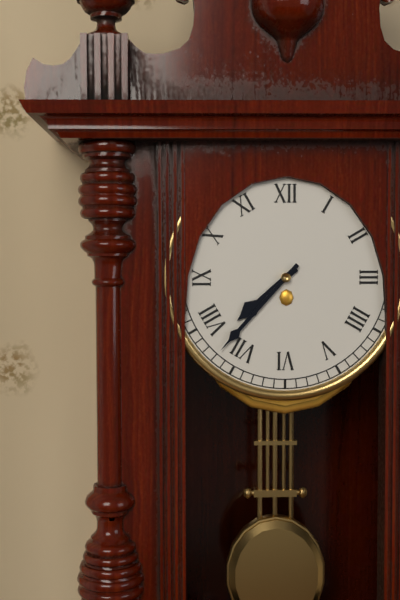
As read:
7,37
